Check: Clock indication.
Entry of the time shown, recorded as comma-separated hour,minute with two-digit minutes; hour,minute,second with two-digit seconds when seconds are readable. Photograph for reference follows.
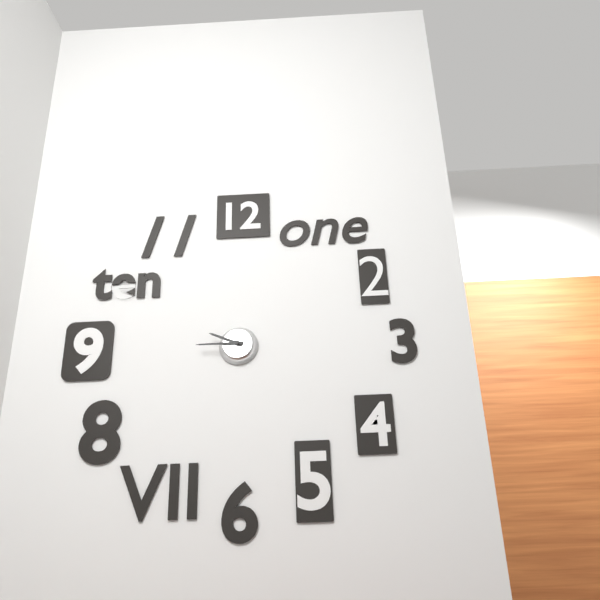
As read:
9,45
